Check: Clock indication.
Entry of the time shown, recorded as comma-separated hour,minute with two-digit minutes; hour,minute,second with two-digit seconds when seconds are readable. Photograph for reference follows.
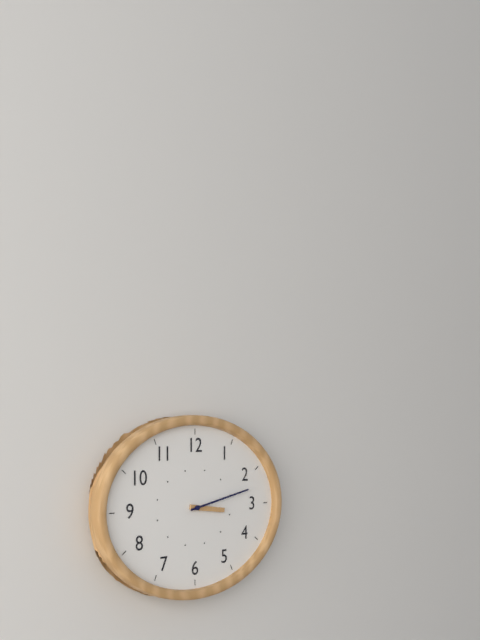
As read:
3,13
